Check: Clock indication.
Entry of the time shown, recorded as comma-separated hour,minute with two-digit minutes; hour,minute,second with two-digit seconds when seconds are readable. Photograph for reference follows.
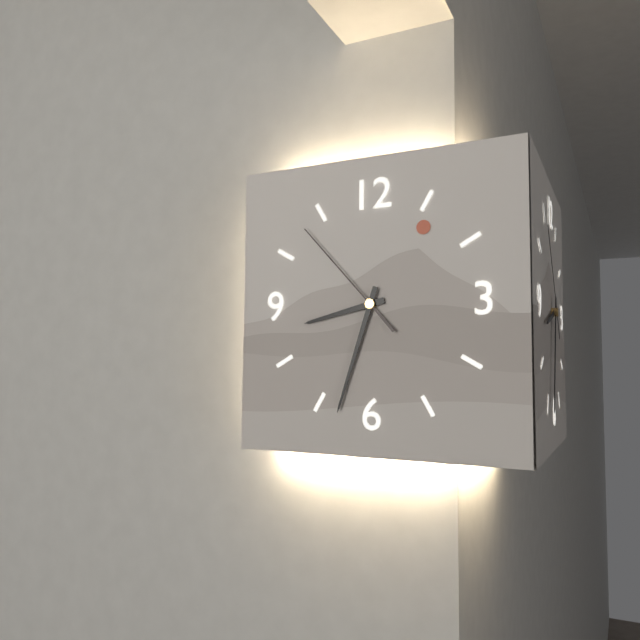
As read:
8,33,53
